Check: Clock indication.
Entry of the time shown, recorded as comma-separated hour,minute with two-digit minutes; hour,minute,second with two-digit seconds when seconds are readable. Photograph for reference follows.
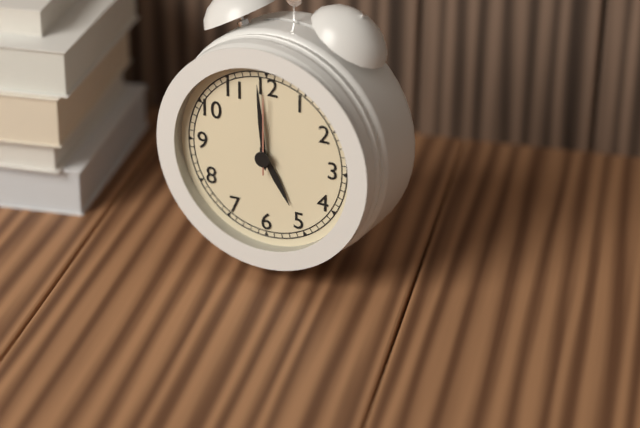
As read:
4,59,00
